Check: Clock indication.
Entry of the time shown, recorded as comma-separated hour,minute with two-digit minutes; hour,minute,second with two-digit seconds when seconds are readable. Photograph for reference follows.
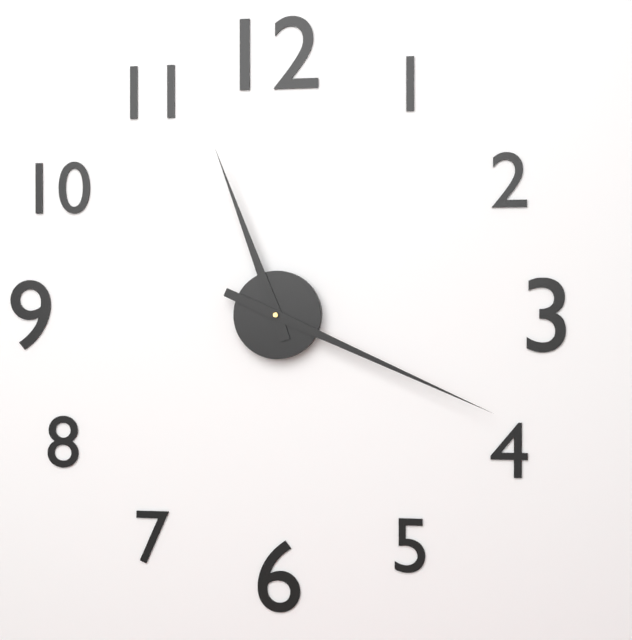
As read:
11,19
